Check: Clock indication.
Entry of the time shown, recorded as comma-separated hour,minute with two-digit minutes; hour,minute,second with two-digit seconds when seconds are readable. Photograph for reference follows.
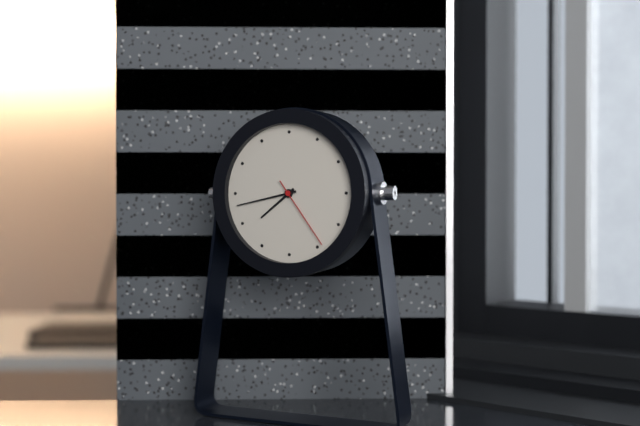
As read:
7,43,24
